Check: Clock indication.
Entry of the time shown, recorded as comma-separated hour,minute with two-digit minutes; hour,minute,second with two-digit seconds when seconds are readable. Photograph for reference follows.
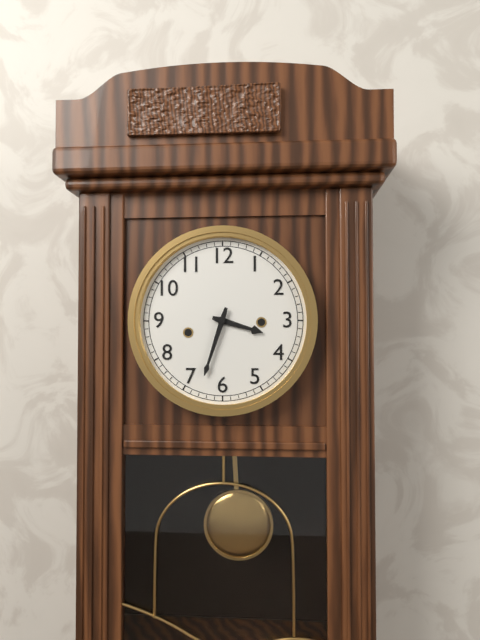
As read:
3,33
